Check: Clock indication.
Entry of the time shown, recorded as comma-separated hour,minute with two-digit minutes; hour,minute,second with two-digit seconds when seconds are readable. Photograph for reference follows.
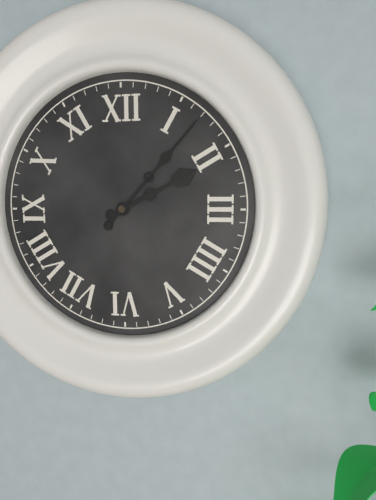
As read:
2,07
